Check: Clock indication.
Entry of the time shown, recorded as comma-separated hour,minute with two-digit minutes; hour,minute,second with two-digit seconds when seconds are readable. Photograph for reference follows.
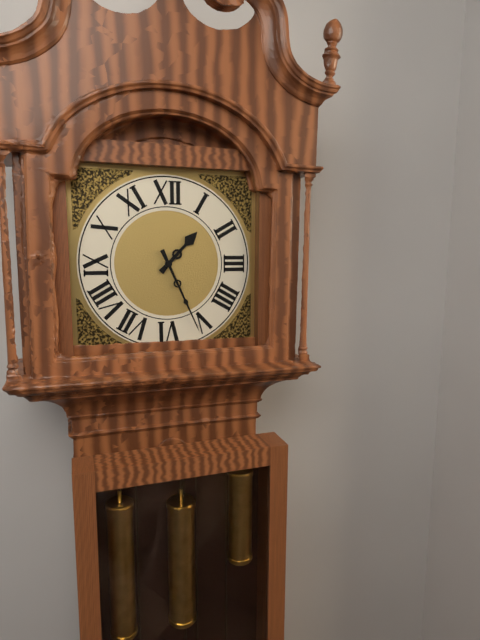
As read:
1,26
